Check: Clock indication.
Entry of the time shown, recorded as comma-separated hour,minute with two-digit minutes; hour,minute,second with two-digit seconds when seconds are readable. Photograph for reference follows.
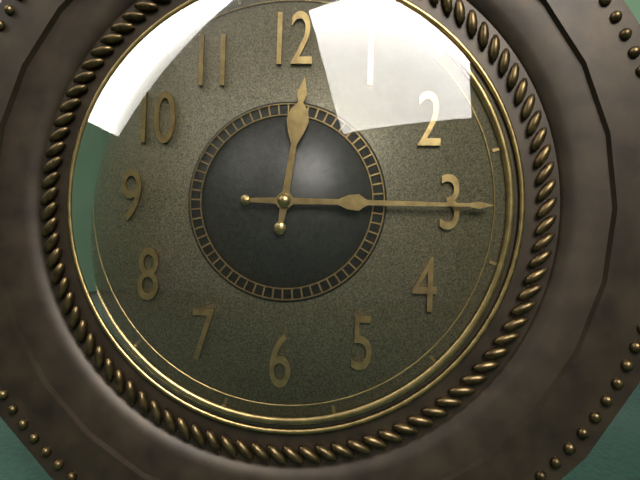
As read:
12,15
